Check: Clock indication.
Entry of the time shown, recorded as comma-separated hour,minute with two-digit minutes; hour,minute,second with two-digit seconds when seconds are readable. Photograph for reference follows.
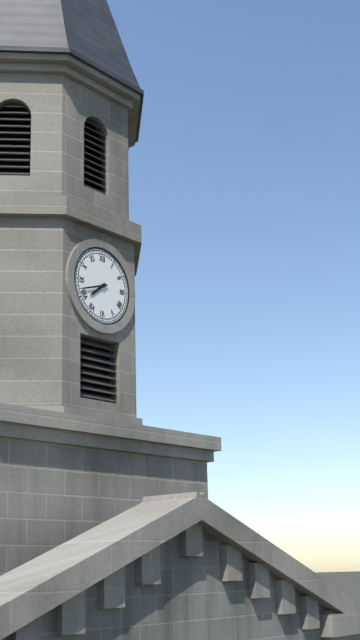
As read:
7,42
